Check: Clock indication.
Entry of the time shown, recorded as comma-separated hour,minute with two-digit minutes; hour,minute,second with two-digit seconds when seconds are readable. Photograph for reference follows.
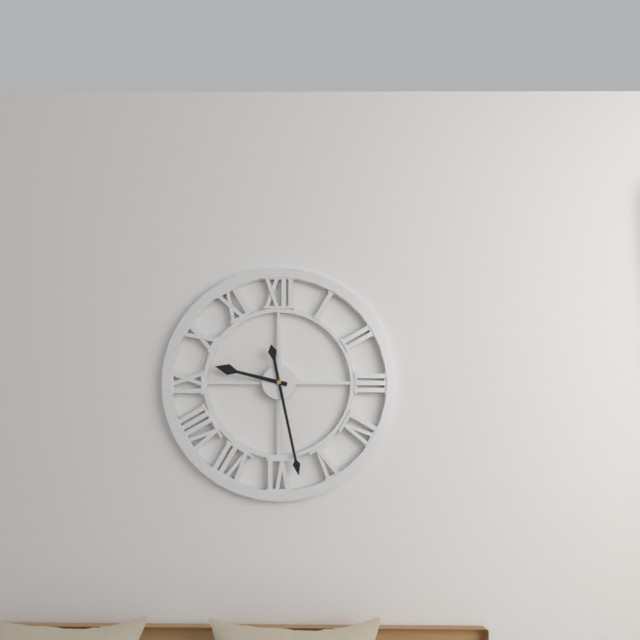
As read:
9,28
